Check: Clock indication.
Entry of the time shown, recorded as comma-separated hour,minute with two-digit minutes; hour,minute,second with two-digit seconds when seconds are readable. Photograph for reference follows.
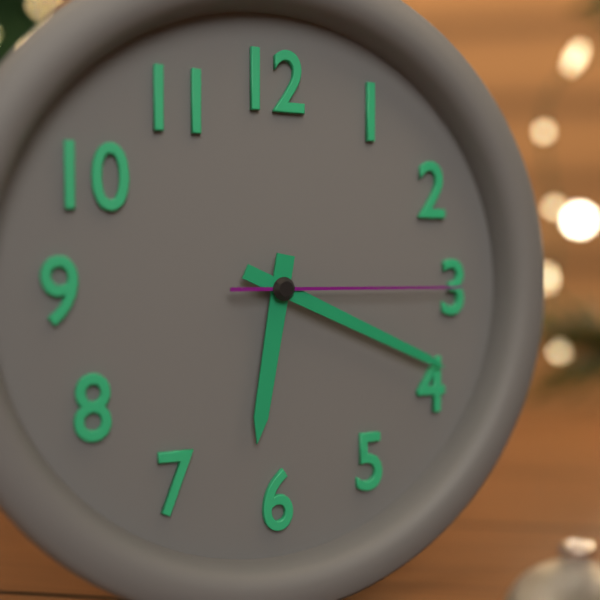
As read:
6,19,15
